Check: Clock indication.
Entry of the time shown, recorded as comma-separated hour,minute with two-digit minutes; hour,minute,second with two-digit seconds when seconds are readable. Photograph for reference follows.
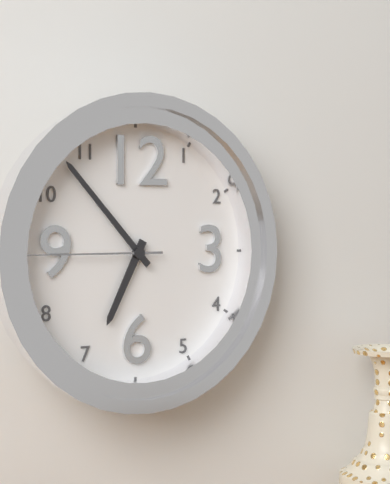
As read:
6,53,45
